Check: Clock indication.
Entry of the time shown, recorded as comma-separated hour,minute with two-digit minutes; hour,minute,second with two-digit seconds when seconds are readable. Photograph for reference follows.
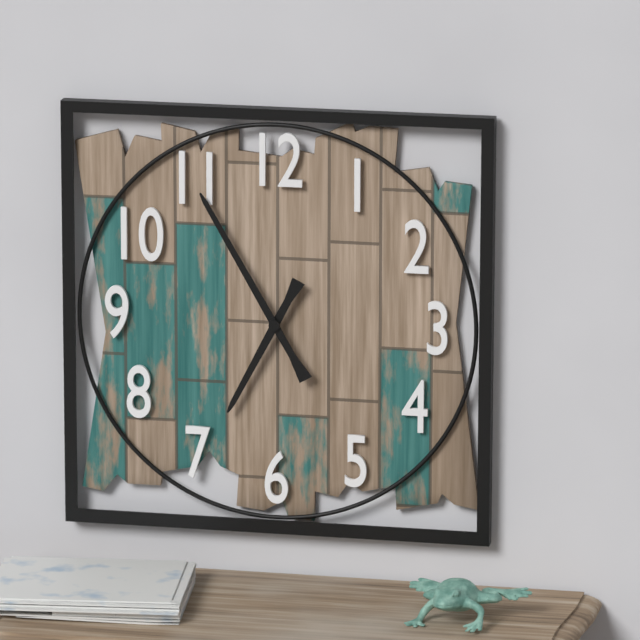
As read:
6,55
